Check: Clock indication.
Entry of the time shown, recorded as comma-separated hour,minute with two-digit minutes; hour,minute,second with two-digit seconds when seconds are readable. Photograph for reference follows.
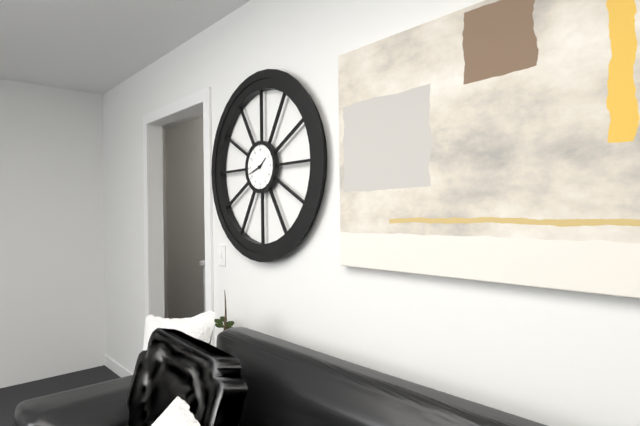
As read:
1,42
